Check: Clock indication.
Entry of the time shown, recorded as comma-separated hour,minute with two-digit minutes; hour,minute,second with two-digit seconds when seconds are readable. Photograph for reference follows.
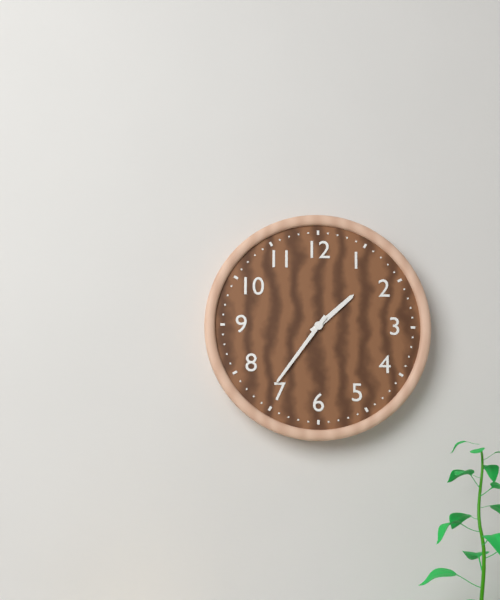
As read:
1,36
